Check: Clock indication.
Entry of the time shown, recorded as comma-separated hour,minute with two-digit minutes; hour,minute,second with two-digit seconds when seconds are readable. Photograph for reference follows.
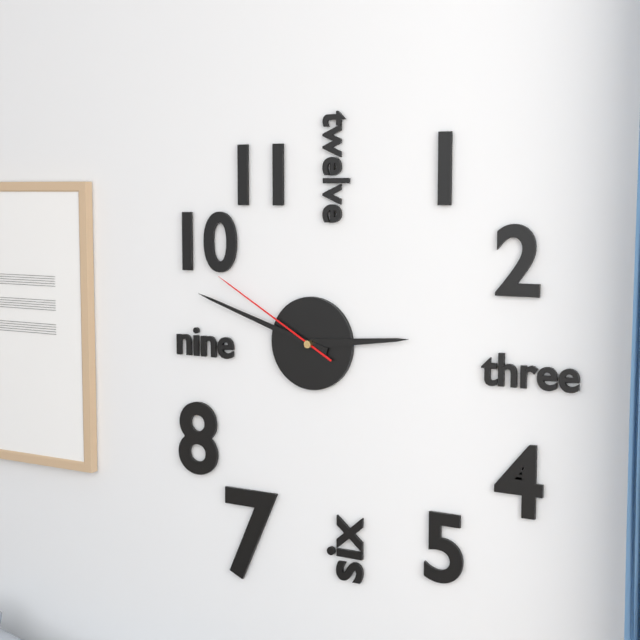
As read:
2,48,50
